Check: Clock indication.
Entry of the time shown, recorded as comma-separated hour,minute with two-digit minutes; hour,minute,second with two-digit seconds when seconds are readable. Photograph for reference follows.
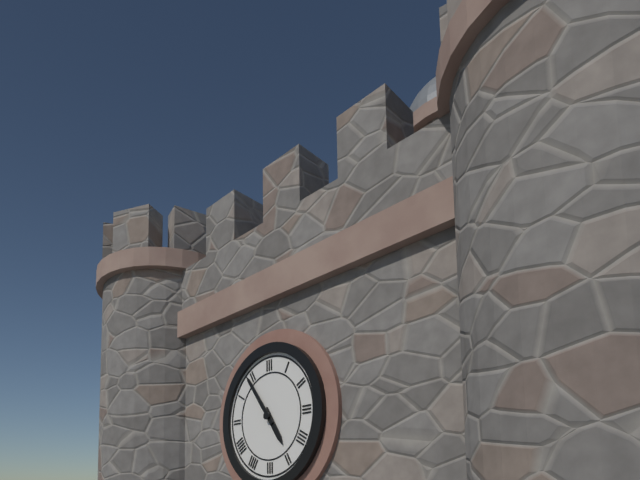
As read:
4,54
